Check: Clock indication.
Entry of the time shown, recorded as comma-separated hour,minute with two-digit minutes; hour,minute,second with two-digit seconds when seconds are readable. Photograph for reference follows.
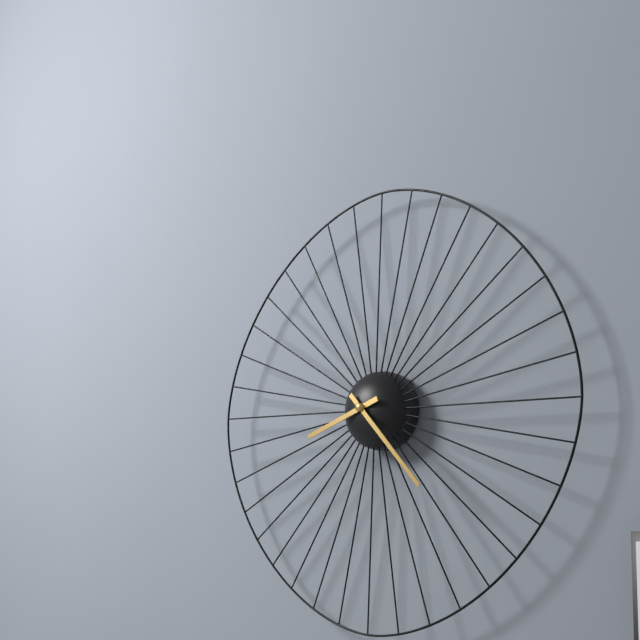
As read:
8,23
